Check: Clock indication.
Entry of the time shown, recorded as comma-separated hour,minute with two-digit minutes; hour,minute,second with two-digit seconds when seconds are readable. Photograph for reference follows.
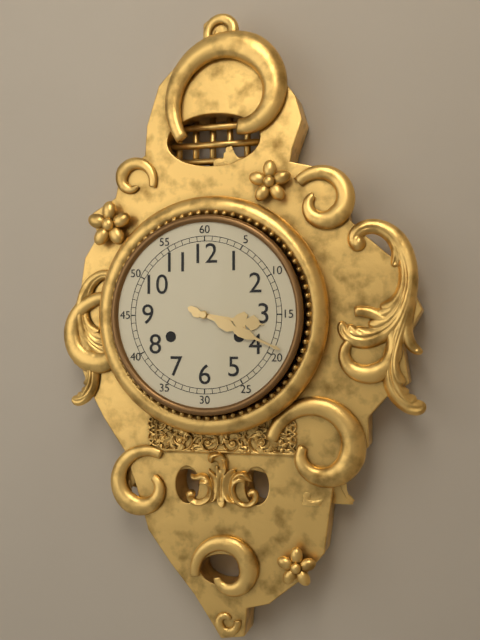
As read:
3,19
